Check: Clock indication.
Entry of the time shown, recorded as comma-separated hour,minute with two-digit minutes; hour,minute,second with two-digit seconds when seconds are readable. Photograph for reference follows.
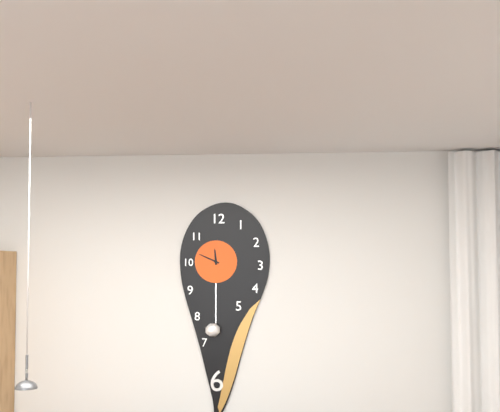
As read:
11,49
